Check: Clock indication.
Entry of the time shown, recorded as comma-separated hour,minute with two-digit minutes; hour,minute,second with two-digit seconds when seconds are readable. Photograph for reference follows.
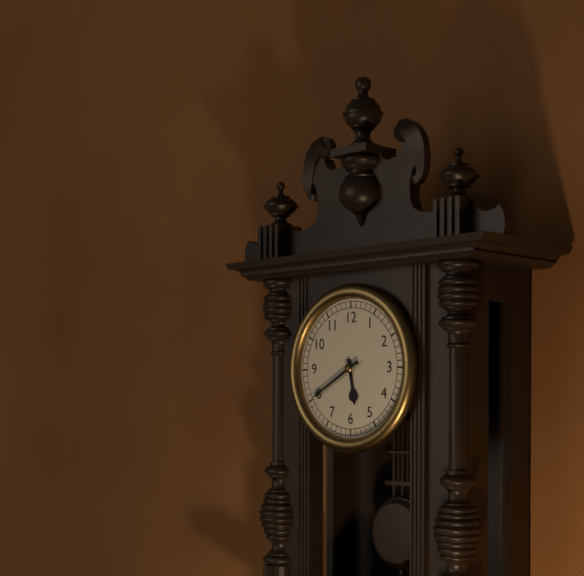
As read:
5,40
